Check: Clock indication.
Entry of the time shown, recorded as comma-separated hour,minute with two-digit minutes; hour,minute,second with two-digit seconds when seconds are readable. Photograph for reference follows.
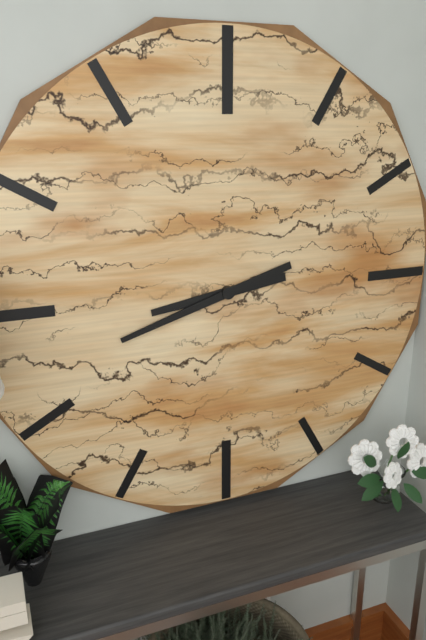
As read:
8,42
